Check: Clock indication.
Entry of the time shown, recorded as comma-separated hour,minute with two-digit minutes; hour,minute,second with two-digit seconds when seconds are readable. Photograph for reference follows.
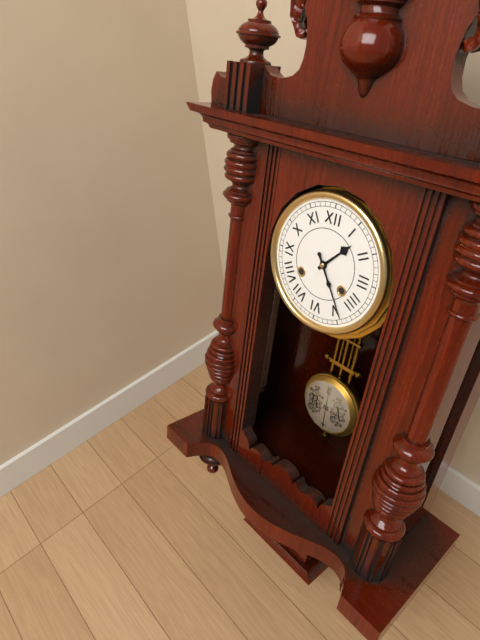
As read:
1,24
